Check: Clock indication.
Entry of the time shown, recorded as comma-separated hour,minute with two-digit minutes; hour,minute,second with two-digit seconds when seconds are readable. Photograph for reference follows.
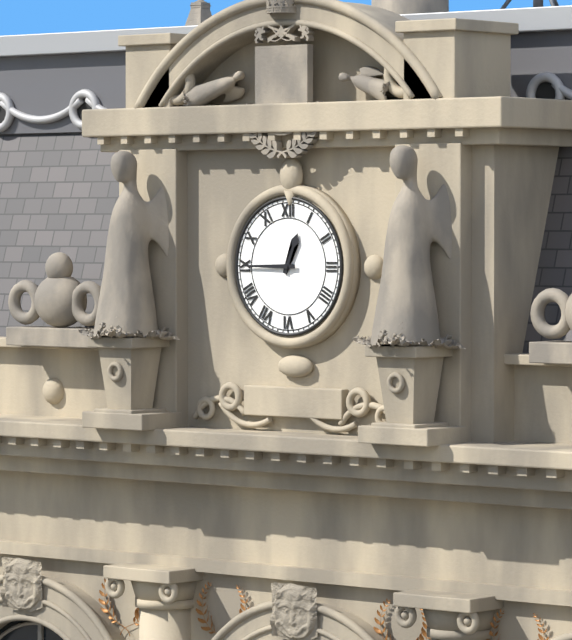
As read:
12,45
